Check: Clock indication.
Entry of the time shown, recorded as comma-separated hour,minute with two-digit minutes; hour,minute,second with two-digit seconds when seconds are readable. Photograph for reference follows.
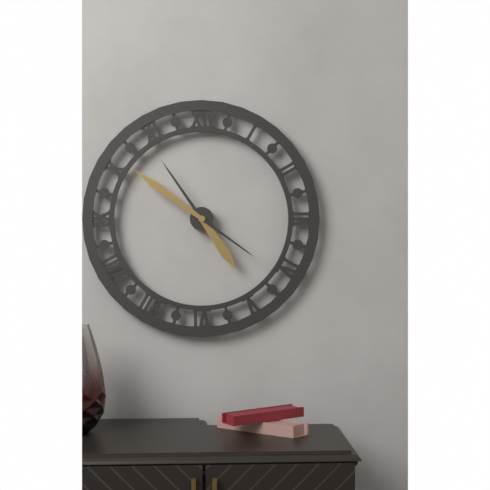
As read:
4,51
